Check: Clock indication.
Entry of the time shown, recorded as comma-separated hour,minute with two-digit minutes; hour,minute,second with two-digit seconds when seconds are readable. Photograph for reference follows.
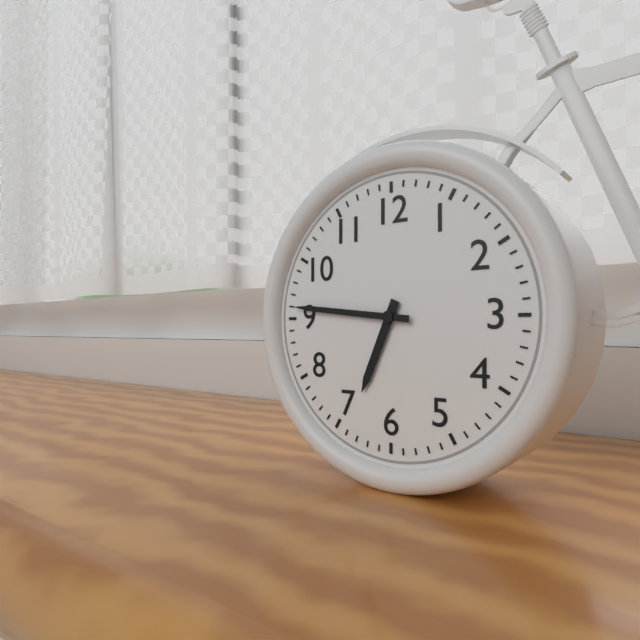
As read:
6,46
